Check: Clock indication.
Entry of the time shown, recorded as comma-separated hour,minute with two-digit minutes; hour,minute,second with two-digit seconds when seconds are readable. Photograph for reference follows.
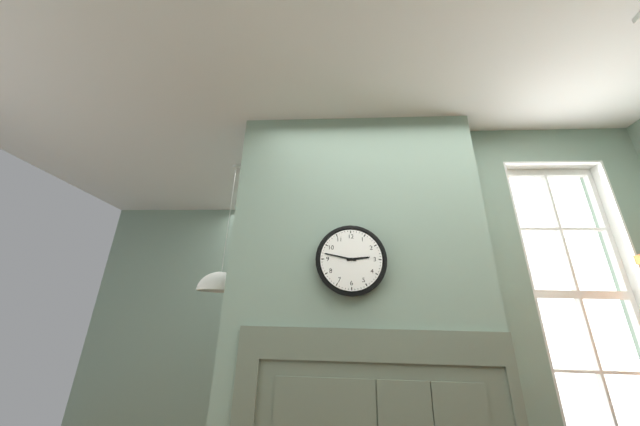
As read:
2,47
